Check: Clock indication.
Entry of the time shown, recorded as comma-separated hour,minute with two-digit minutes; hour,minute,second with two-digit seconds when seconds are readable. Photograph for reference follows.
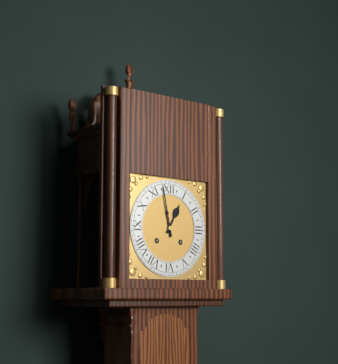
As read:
12,58
